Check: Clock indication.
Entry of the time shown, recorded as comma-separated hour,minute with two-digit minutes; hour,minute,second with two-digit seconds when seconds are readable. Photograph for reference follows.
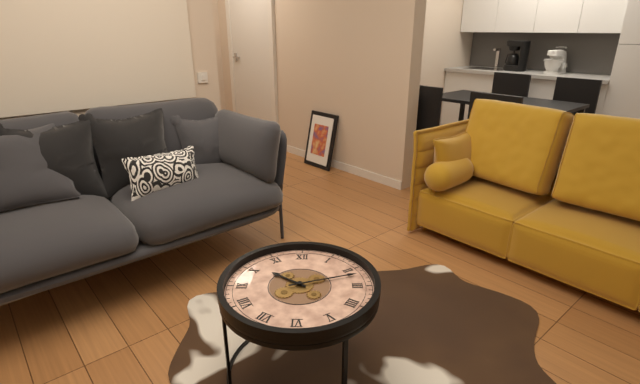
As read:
10,12
